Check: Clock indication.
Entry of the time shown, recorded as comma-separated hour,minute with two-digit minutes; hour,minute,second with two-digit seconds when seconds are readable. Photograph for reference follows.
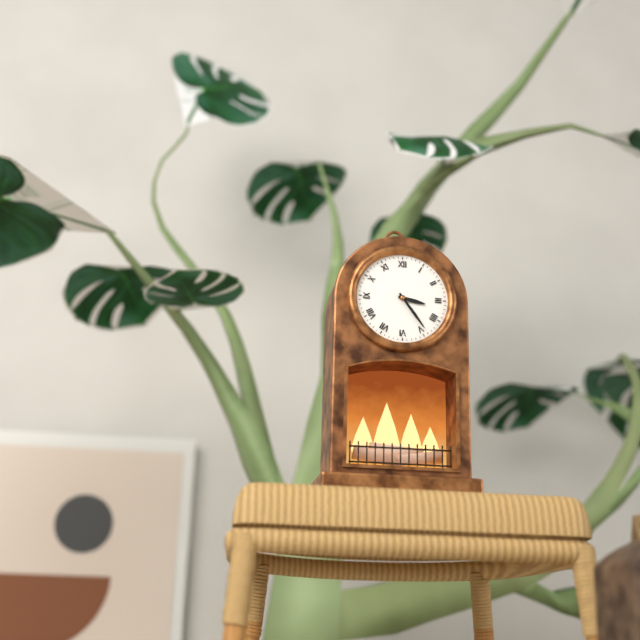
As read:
3,24
